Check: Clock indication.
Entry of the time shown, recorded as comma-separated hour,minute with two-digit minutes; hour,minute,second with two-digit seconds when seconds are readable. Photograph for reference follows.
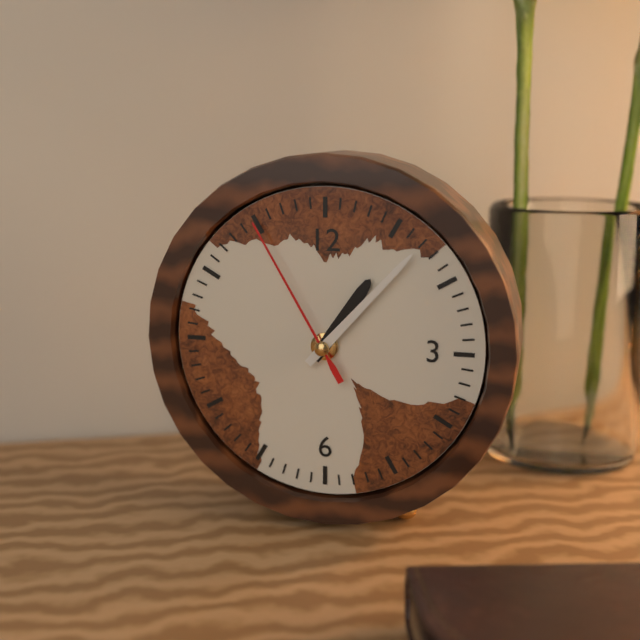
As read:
1,07,55
